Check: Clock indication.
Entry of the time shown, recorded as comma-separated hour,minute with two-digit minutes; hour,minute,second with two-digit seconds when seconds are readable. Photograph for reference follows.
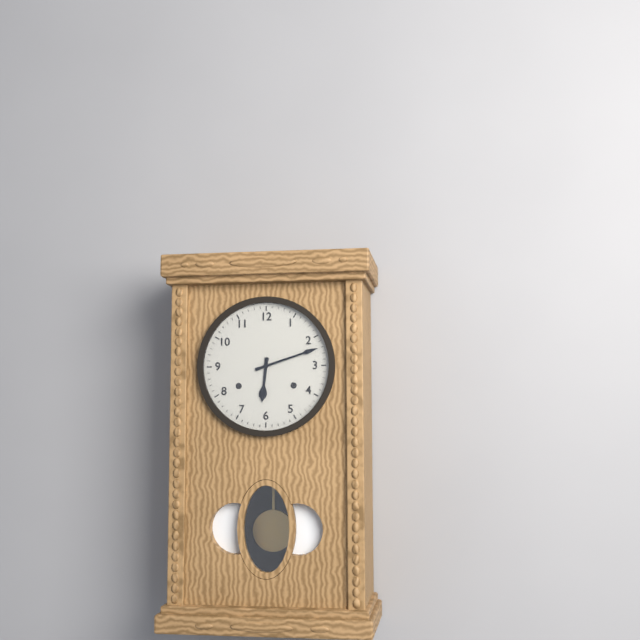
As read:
6,12
